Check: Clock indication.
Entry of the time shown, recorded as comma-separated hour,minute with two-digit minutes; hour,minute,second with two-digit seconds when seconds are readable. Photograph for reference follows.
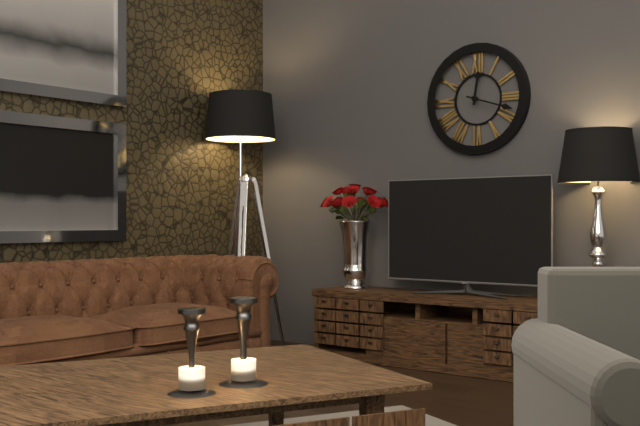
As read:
12,18
